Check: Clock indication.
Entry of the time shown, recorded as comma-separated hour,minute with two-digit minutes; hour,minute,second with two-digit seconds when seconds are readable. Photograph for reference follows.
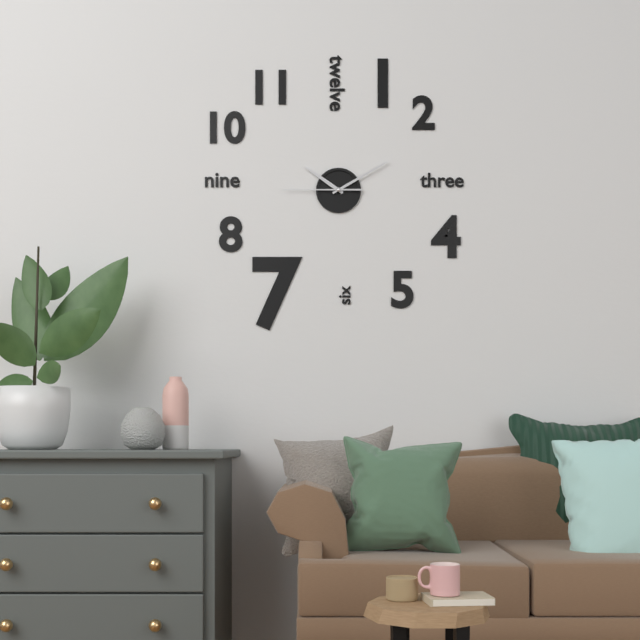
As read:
10,10,45
